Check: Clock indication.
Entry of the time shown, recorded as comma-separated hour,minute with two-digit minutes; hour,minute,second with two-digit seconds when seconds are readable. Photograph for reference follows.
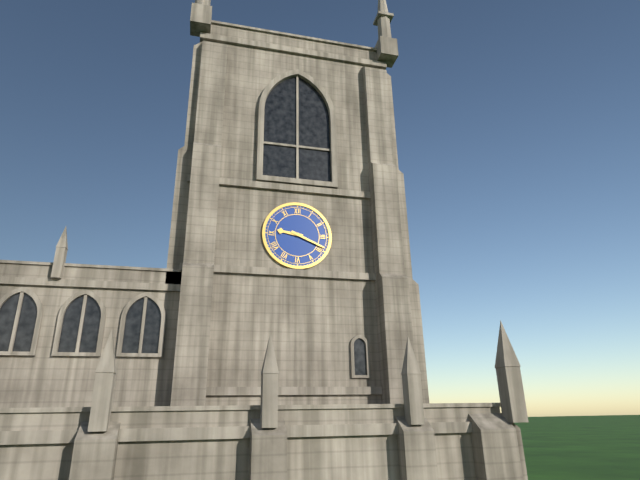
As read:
9,19
